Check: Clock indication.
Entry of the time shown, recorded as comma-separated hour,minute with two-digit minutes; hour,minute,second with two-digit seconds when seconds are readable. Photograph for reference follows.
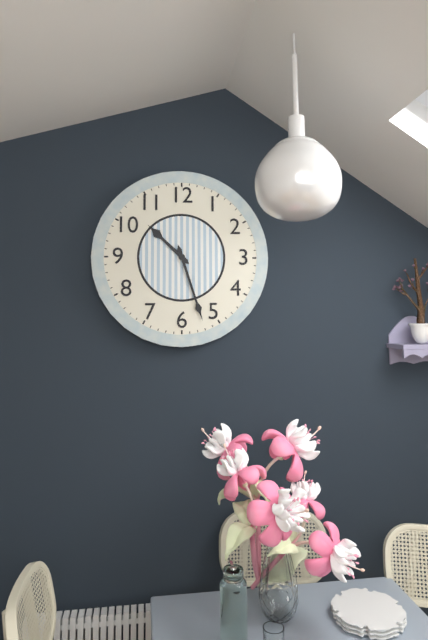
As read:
10,27
